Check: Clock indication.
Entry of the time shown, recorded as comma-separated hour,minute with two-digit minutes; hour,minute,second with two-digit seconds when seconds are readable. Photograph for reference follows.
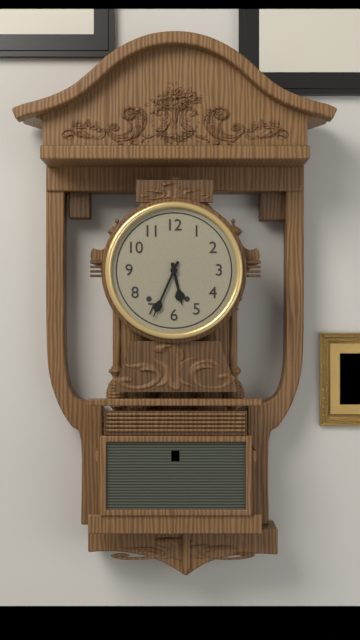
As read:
5,34
